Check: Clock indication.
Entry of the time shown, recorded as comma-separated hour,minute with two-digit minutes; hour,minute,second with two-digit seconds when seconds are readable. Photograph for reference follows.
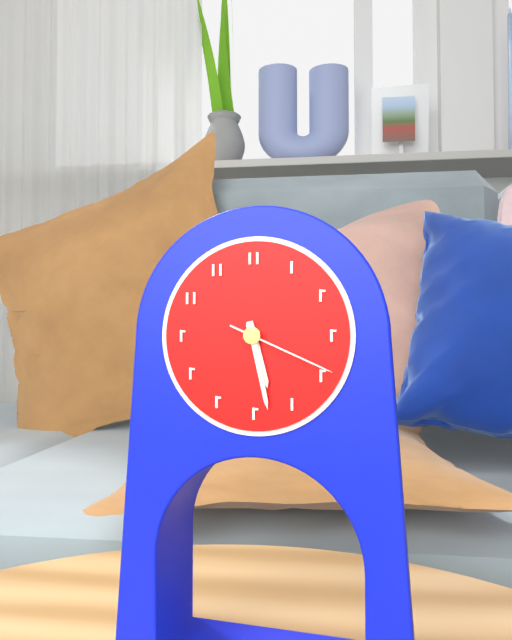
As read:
5,28,19
